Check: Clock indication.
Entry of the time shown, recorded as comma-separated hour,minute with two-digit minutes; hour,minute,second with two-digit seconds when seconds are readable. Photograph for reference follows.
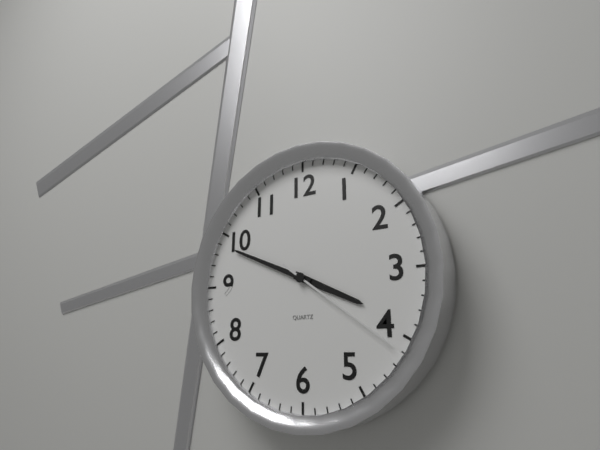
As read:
3,49,21
